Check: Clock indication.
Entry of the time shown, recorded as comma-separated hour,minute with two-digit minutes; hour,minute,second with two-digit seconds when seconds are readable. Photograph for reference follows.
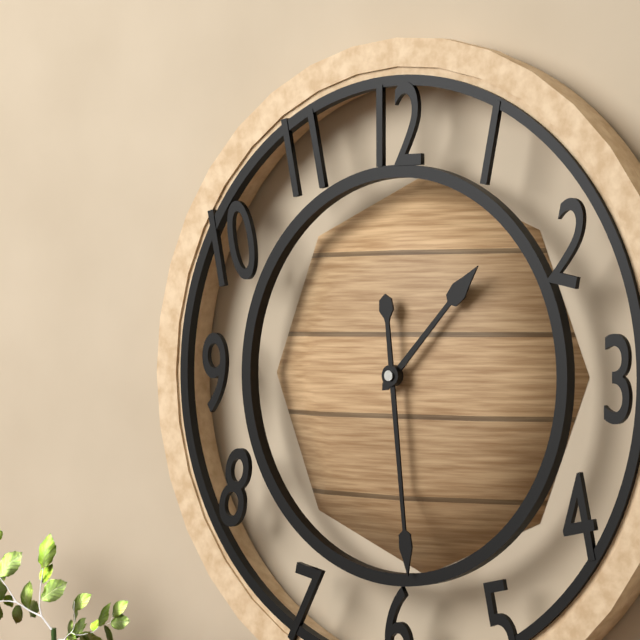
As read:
1,29
